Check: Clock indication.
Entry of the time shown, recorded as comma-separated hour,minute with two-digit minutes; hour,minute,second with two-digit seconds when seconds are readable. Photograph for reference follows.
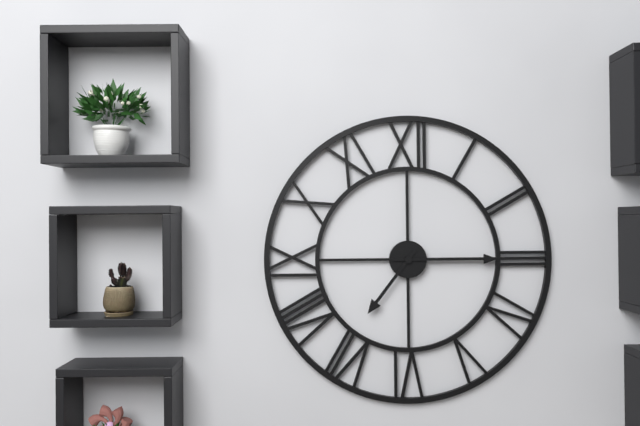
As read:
7,15
